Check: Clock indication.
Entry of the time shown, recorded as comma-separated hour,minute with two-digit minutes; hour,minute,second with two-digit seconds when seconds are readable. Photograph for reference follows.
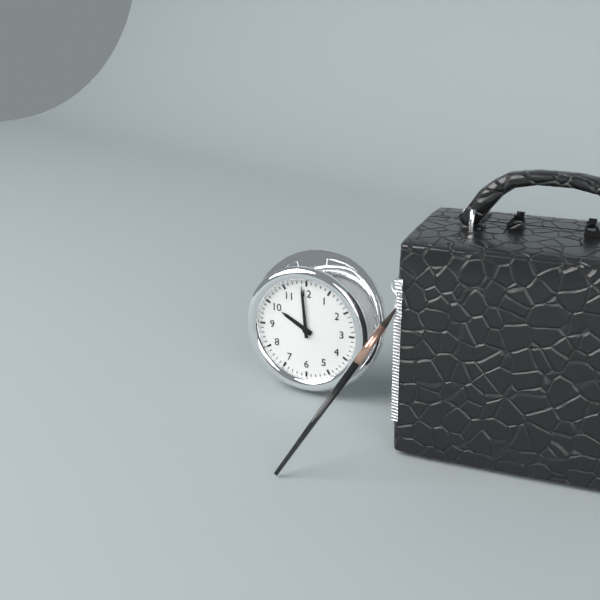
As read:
9,59
